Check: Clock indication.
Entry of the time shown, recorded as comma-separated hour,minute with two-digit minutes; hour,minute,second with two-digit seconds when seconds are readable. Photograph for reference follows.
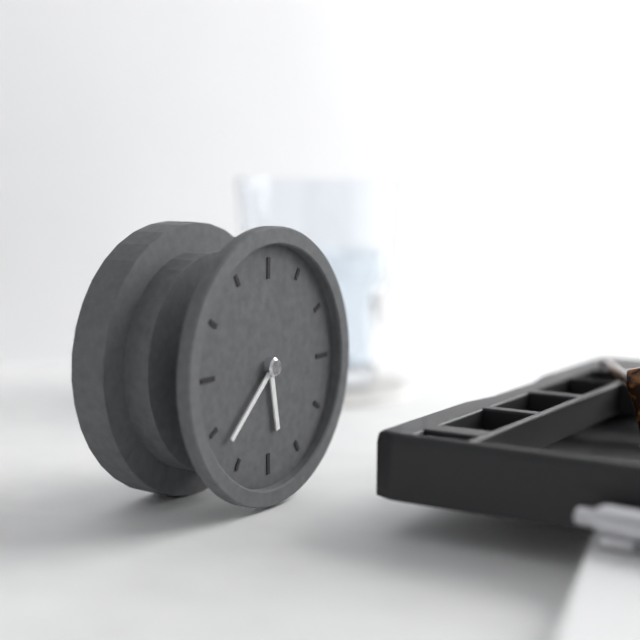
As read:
5,38
